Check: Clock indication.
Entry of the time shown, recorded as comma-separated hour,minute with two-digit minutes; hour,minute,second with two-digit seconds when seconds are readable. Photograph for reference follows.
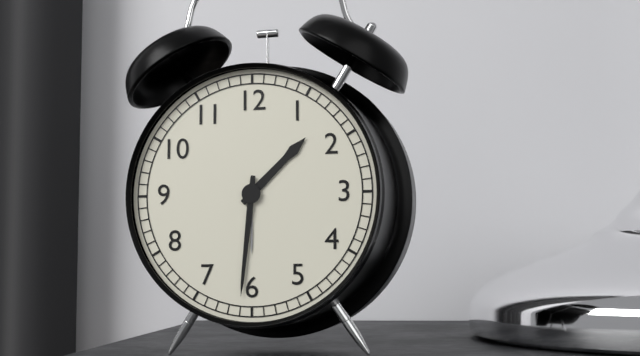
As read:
1,31
